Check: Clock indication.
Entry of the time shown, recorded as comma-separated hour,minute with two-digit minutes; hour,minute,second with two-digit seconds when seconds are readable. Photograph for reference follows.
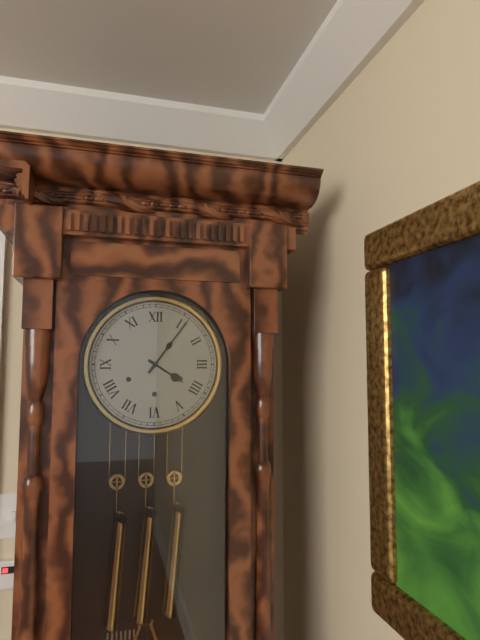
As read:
4,06
